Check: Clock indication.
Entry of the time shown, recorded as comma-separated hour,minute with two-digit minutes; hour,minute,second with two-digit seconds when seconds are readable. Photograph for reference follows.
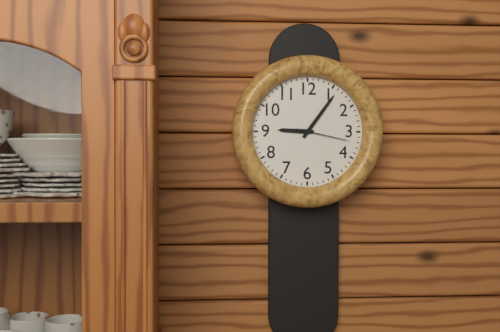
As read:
9,06,17
